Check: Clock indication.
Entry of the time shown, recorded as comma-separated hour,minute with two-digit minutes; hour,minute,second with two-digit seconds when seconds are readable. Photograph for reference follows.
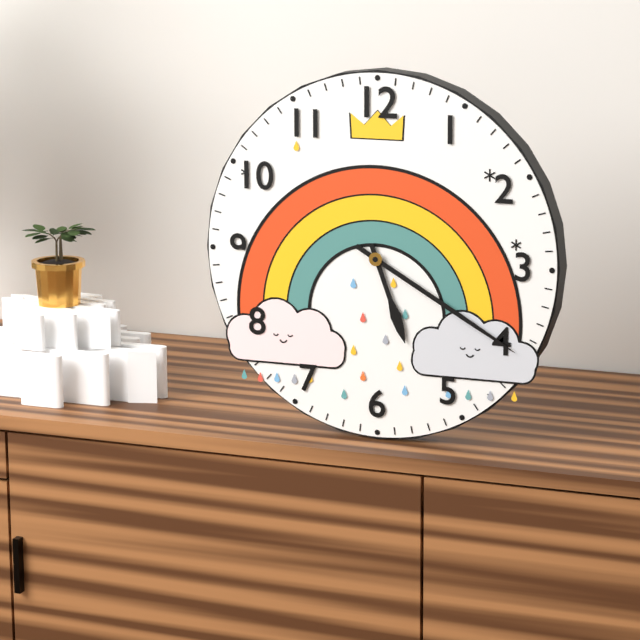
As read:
5,20
